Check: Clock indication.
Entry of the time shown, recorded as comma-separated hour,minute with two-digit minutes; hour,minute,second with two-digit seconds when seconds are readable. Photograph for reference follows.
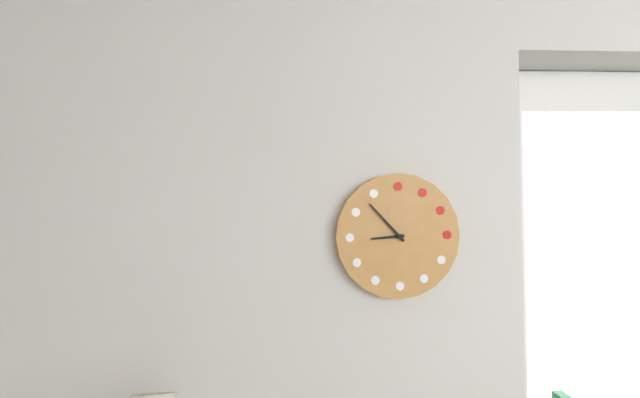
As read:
8,53
